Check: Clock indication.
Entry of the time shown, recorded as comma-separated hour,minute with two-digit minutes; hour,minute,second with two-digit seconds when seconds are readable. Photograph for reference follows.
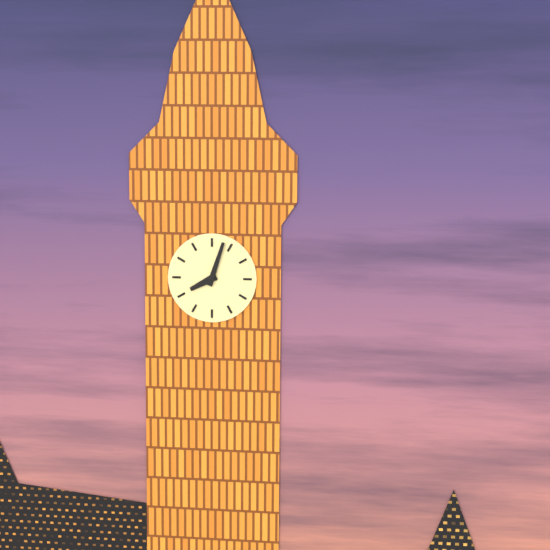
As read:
8,03
